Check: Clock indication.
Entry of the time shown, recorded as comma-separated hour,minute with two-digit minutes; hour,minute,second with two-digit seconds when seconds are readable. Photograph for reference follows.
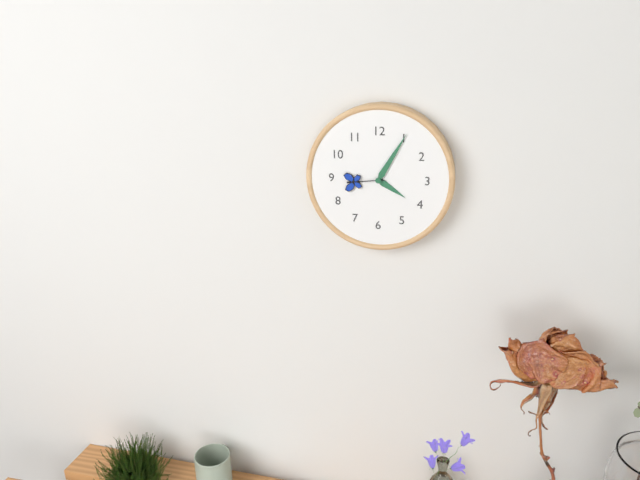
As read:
4,05
